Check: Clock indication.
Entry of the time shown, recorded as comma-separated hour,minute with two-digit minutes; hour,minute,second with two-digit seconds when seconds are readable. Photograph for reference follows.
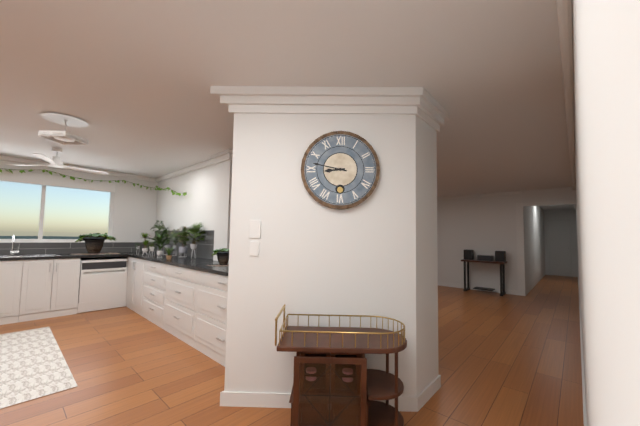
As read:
8,47
